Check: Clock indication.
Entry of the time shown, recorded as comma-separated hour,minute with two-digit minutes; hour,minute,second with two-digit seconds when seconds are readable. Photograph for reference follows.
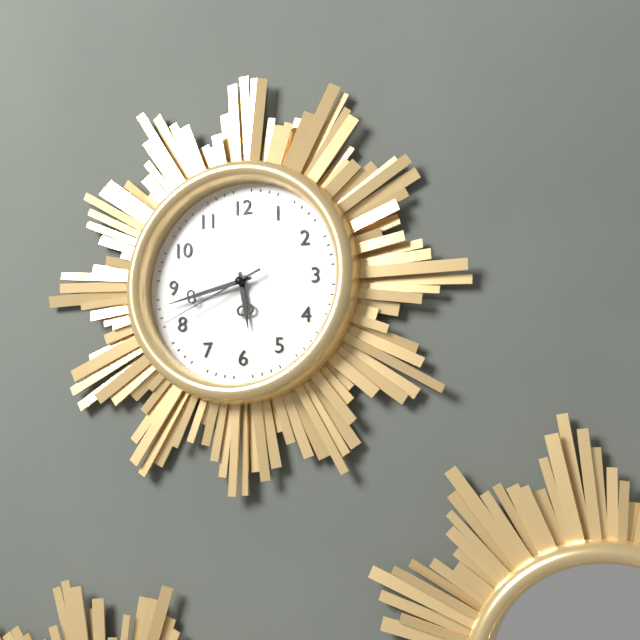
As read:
5,43,41
